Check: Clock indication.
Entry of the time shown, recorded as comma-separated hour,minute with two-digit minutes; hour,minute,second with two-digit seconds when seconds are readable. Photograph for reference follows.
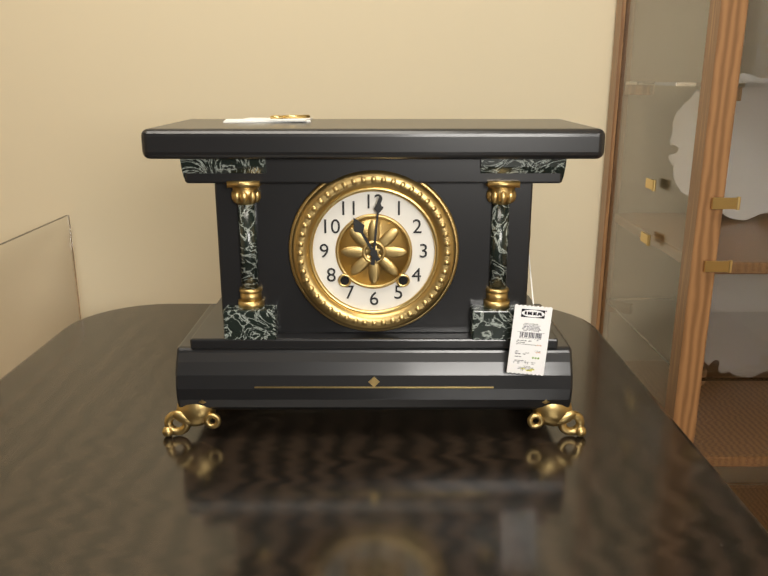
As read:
11,01
